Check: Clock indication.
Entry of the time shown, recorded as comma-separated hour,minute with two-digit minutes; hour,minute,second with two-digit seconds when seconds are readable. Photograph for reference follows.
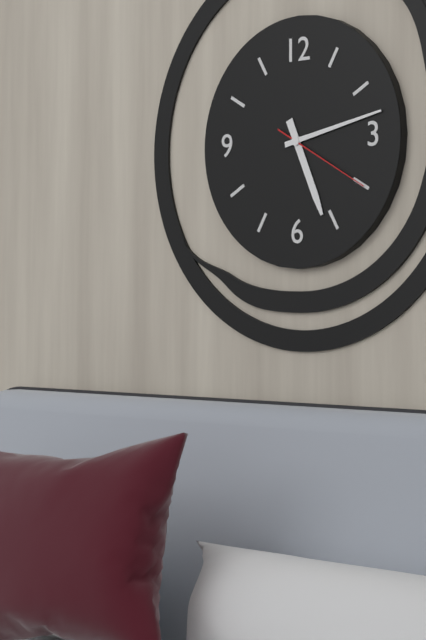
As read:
5,13,20
